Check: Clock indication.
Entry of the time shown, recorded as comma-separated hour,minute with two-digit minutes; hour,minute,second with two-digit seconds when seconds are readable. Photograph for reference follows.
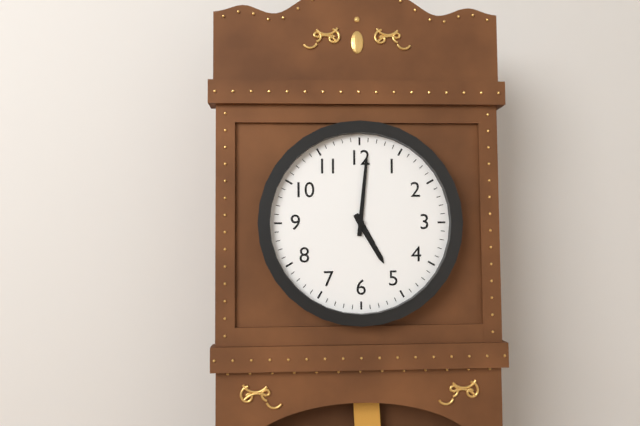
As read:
5,01
